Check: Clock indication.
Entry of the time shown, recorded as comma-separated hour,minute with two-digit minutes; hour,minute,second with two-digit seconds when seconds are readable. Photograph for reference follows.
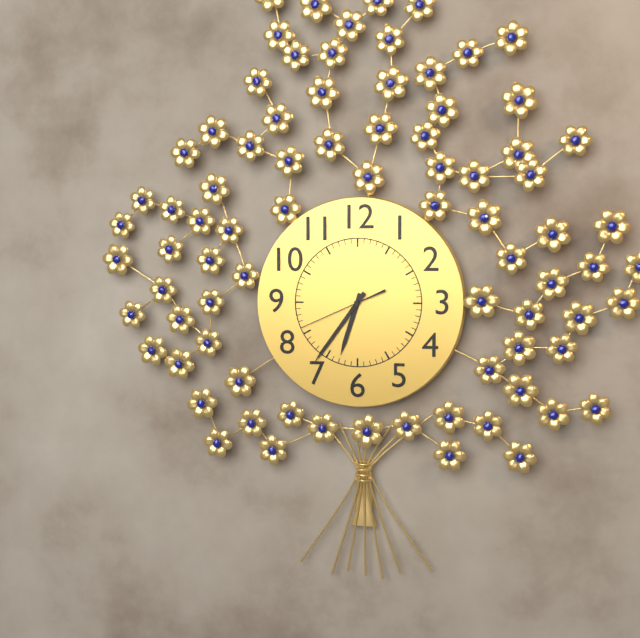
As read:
6,36,41
